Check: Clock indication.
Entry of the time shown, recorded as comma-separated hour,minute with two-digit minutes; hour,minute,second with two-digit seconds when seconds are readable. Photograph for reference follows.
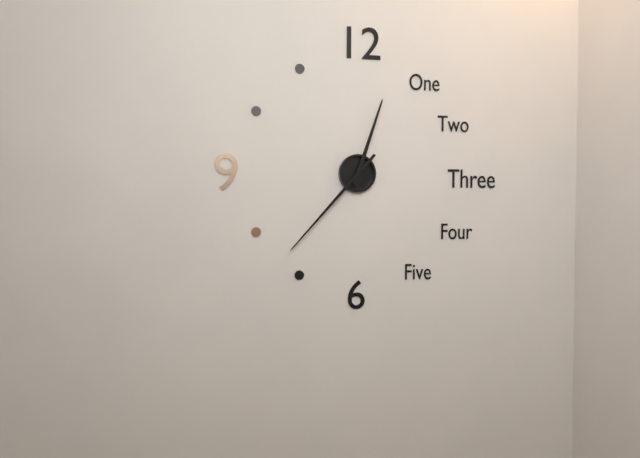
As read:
12,37
